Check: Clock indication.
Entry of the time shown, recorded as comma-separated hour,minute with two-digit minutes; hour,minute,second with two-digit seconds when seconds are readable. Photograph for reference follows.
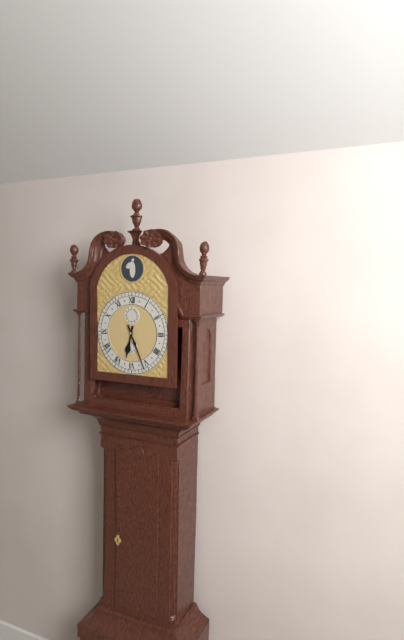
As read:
6,26
